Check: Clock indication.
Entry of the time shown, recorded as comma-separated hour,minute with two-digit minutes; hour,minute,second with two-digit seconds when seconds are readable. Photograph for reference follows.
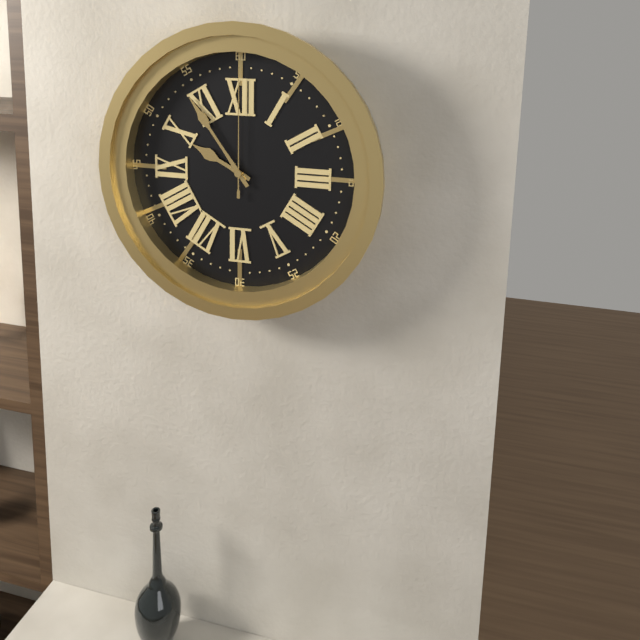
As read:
9,54,00
